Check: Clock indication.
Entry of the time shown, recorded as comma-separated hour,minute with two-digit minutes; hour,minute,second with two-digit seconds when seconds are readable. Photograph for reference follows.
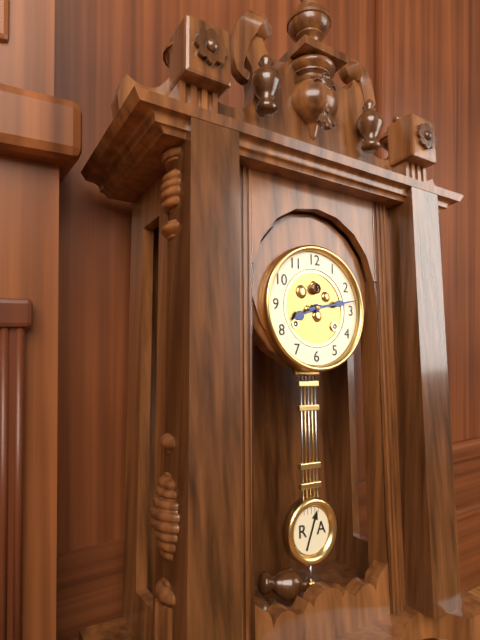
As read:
8,13
